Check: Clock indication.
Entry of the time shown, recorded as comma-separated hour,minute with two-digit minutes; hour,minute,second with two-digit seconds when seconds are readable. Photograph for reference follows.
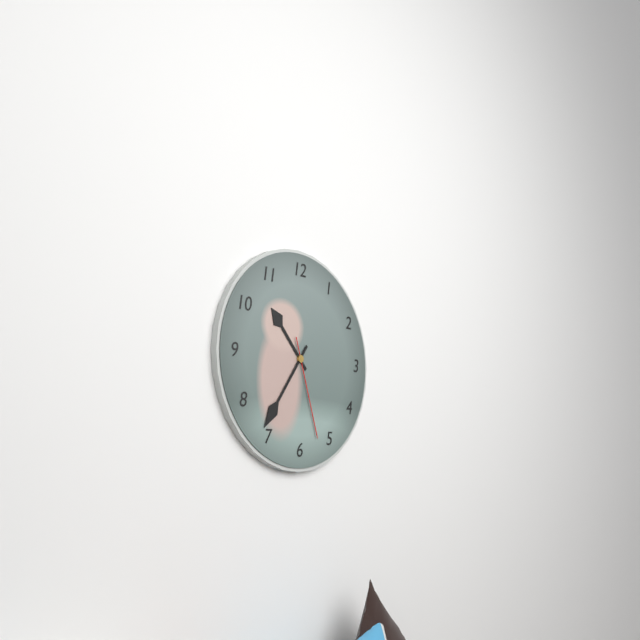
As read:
10,36,27
